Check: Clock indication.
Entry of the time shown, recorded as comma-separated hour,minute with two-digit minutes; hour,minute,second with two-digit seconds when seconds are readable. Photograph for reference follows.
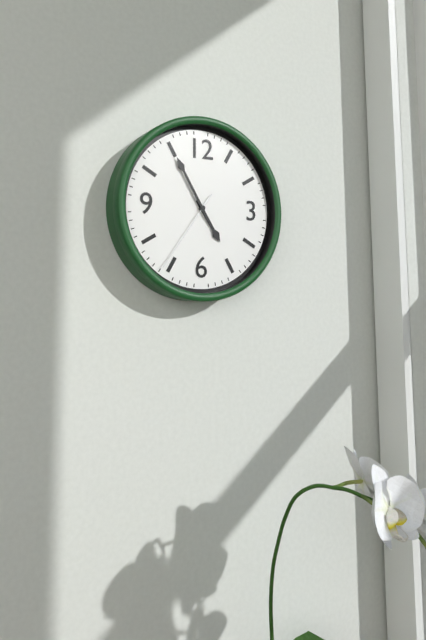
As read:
4,55,36
